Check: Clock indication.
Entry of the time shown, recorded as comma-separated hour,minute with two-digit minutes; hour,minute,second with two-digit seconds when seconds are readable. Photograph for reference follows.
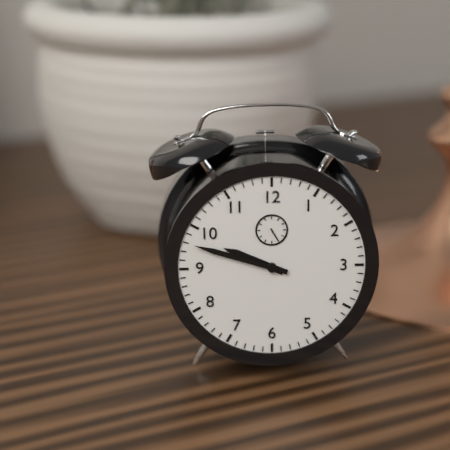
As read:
9,48
